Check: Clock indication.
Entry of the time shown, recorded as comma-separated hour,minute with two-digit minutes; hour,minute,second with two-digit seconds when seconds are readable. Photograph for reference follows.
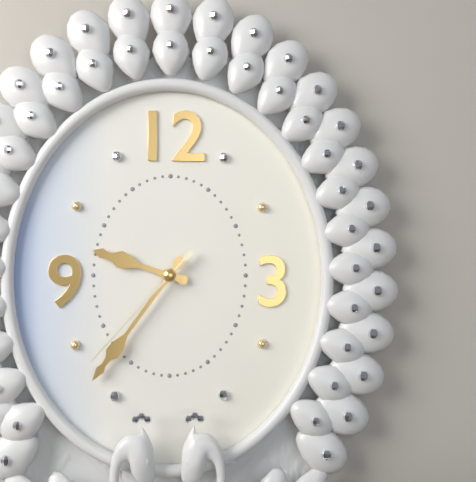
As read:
9,36,37
